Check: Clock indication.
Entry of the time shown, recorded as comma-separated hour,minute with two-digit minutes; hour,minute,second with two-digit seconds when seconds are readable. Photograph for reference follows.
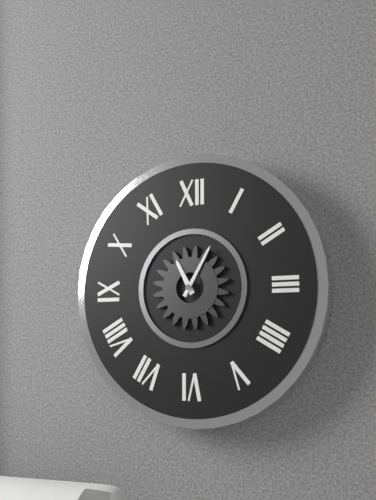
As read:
11,05
